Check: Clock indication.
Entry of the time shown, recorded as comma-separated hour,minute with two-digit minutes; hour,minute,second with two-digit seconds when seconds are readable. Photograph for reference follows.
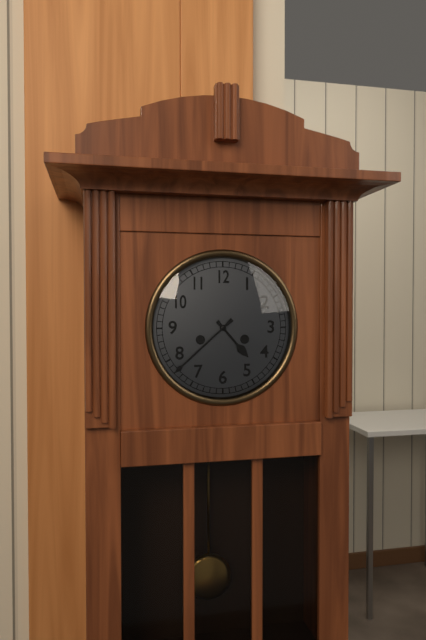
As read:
4,38
